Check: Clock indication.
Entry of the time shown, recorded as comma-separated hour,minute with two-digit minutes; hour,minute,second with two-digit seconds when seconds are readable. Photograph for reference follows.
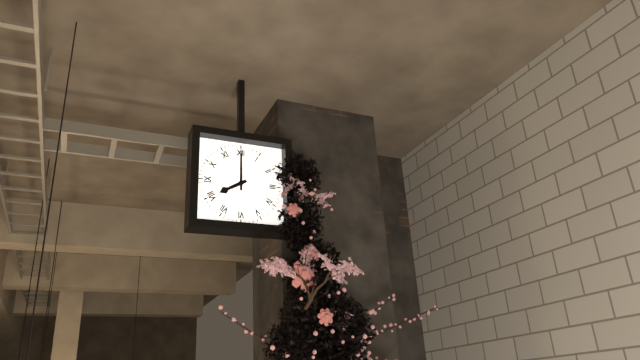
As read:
8,00
